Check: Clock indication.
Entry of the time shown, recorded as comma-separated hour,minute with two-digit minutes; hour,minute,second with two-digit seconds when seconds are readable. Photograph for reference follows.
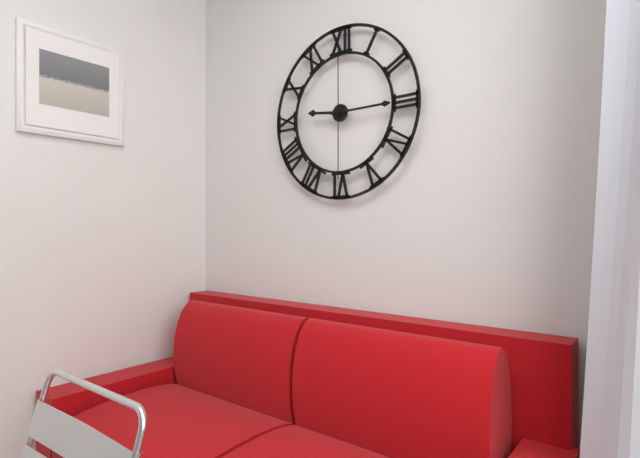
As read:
9,15,00
